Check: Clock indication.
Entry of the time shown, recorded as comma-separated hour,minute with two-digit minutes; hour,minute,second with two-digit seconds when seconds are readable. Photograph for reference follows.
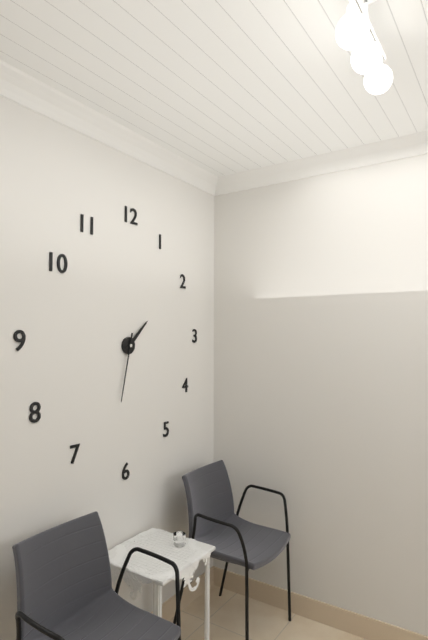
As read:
1,32
